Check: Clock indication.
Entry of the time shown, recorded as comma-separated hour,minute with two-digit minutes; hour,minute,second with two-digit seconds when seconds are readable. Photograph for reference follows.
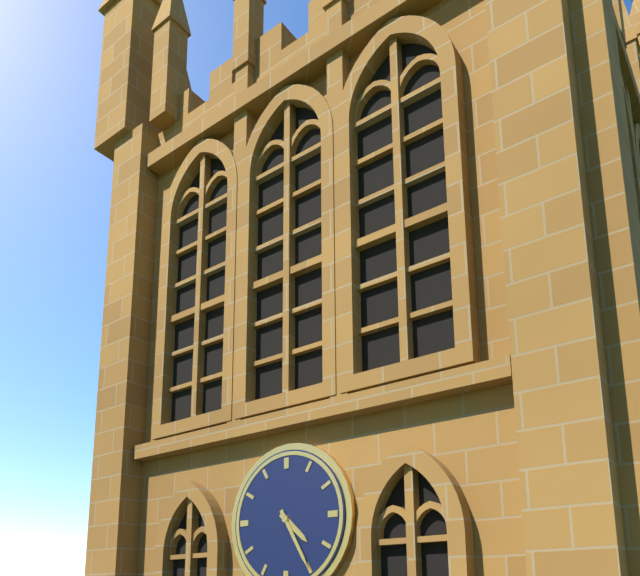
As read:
4,25
